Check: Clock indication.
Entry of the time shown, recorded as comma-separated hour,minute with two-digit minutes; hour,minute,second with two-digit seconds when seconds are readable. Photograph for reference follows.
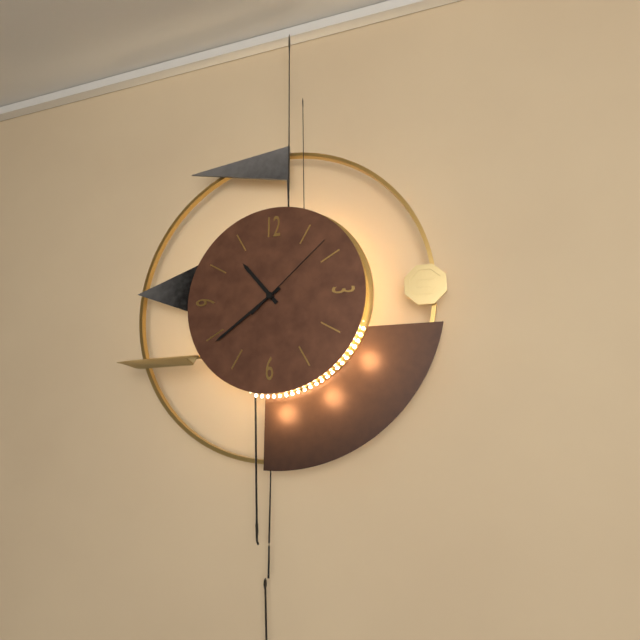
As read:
10,39,08
